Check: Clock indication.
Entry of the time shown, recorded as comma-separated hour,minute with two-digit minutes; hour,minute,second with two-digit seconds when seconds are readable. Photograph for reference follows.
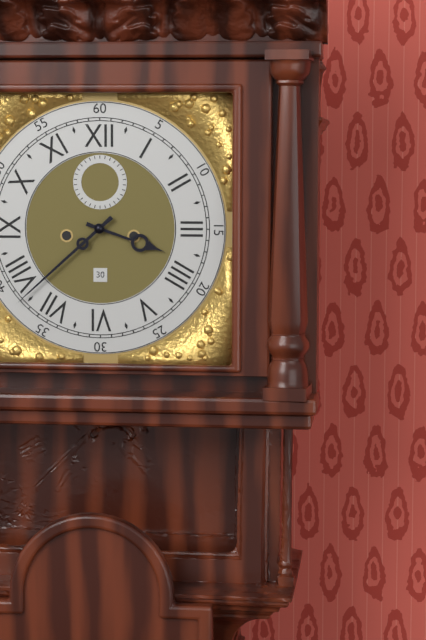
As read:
3,38
